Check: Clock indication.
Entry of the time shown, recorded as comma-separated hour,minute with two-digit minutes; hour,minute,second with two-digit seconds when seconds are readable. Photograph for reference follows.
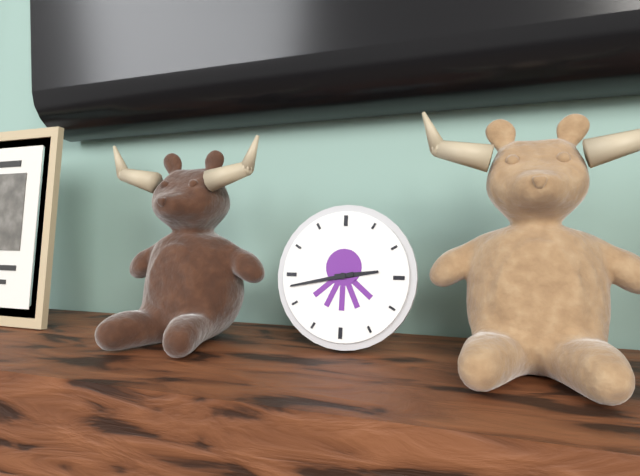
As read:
2,43
